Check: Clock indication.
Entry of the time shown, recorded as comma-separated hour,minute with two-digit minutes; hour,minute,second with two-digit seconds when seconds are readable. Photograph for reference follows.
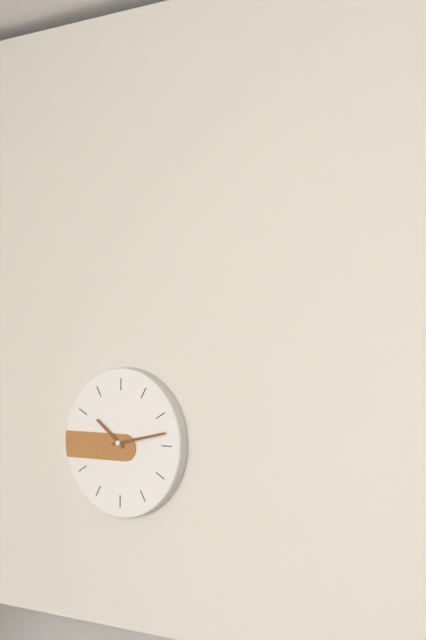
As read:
10,13
